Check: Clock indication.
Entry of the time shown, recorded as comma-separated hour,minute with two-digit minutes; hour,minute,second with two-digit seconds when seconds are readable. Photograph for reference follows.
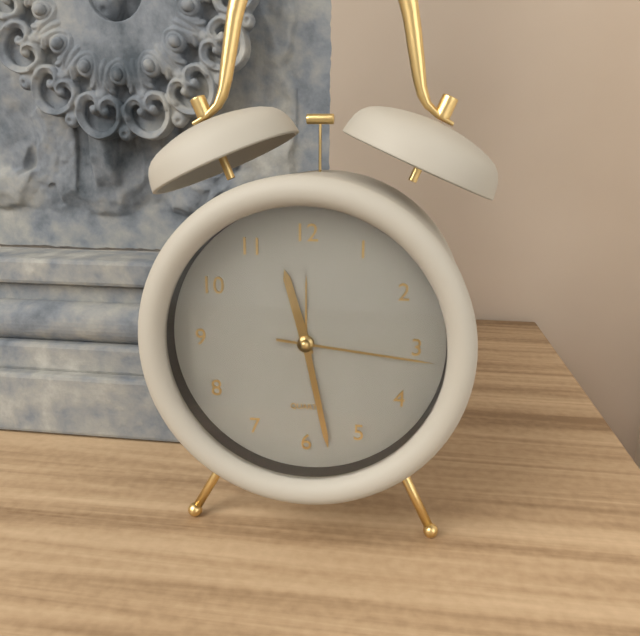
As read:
11,28,16
